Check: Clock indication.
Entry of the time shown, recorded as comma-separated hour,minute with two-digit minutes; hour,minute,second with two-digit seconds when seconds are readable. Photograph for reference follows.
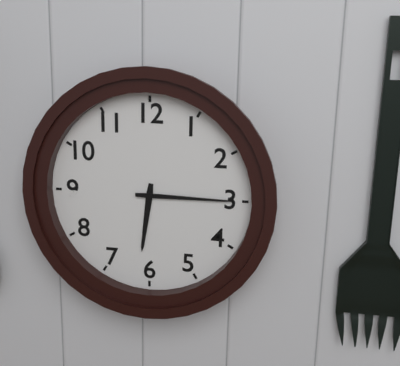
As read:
6,15
